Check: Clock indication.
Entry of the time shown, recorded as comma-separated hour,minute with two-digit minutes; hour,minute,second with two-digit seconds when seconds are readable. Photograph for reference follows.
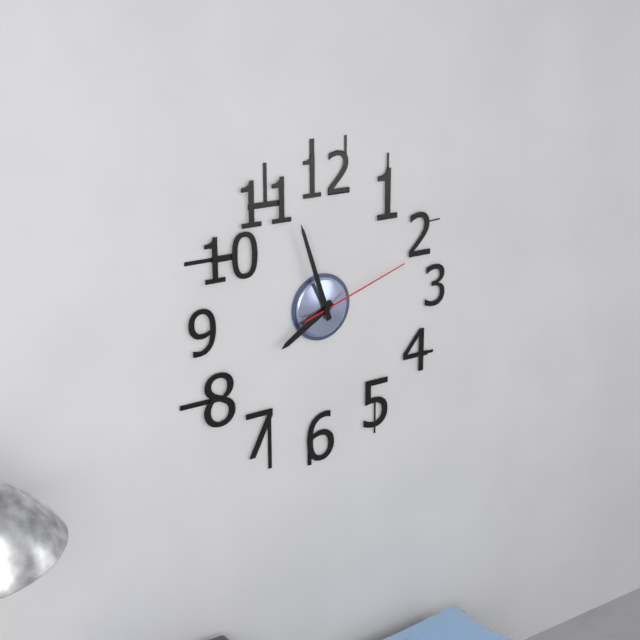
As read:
7,57,12
